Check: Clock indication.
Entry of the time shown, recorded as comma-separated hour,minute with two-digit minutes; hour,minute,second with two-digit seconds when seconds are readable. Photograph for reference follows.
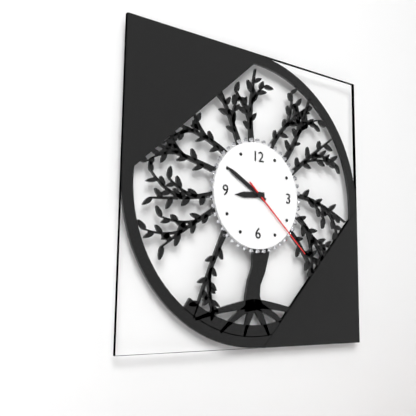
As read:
8,50,22
